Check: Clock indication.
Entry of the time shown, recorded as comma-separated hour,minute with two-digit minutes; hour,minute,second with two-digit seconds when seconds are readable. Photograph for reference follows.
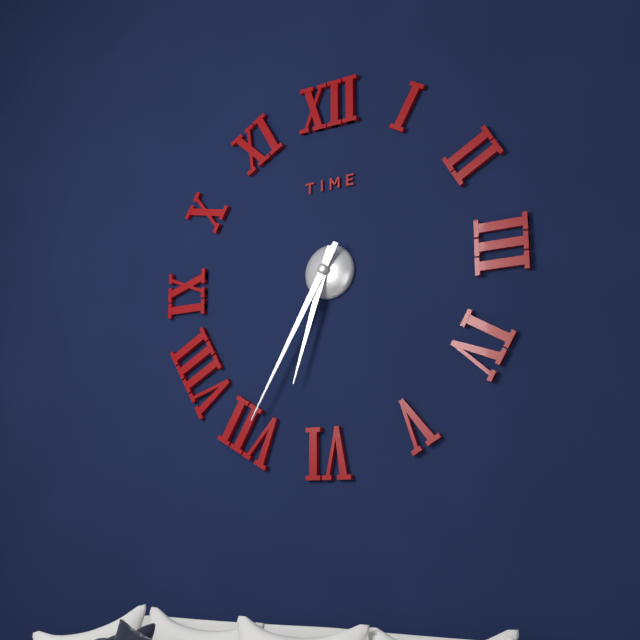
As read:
6,35
